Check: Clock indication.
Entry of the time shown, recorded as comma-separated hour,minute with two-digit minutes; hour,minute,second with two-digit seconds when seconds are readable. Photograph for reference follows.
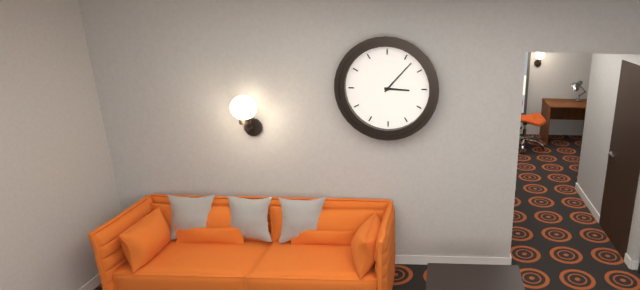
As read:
3,07
